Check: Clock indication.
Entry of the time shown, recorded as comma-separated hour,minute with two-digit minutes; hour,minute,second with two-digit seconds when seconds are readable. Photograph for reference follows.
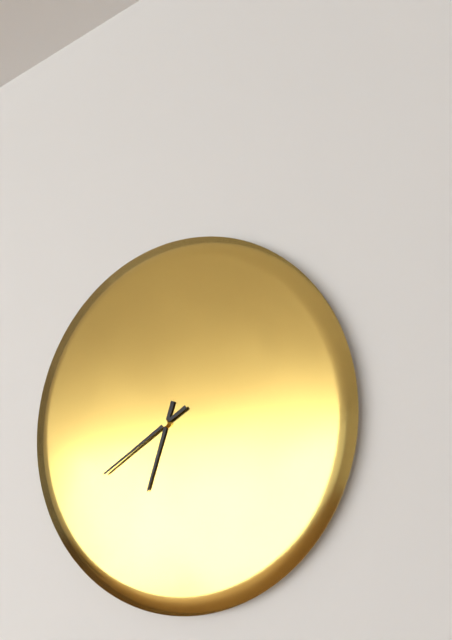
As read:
6,40
